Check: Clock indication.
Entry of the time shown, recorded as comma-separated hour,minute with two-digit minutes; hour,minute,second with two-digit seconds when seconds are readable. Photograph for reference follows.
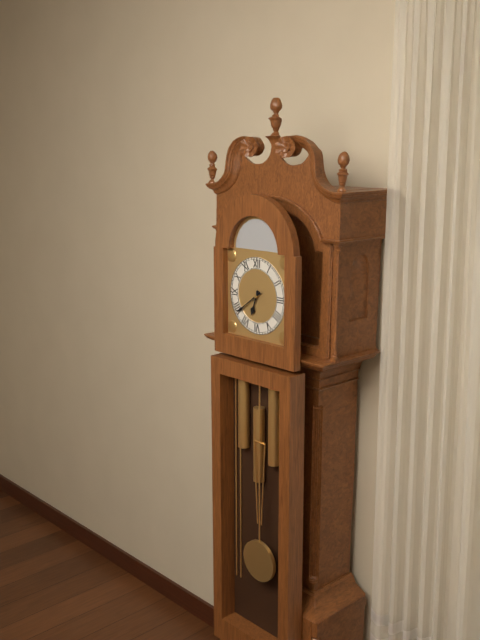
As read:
6,39
